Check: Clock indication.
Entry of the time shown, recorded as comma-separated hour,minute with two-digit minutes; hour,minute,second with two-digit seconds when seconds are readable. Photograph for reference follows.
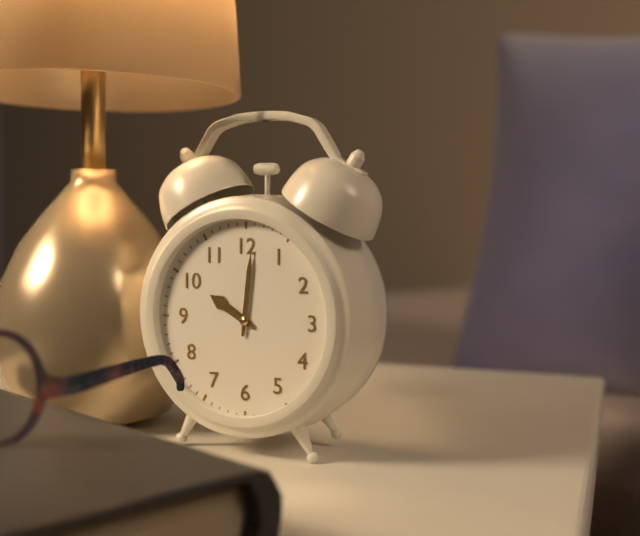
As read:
10,01
